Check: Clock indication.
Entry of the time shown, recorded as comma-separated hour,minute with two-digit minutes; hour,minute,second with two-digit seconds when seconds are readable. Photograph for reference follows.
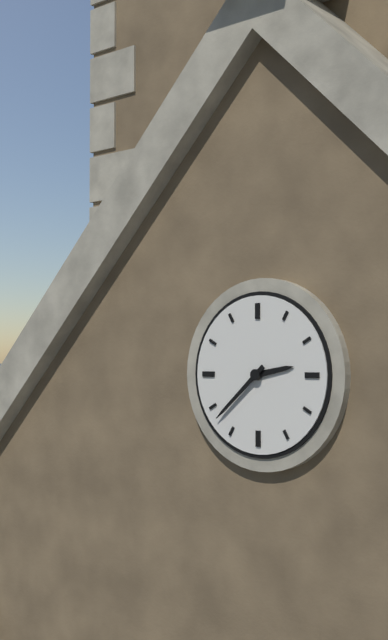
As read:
2,38
